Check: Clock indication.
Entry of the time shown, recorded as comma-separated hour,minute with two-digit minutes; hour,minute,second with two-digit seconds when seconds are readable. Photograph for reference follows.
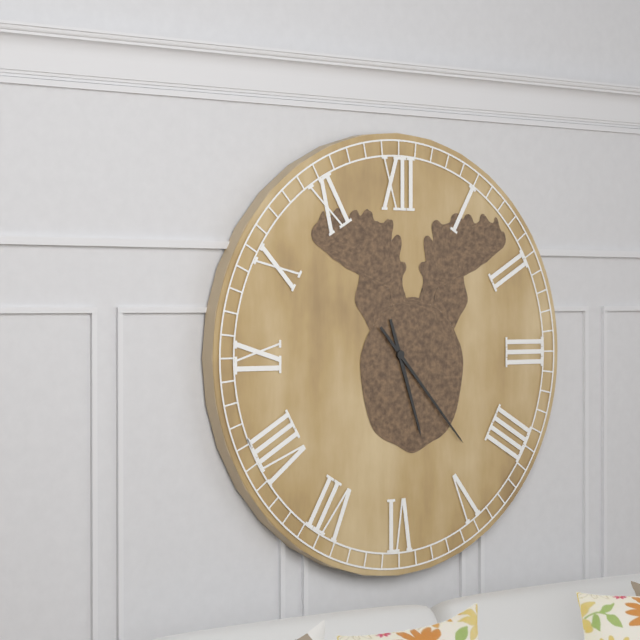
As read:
5,23
